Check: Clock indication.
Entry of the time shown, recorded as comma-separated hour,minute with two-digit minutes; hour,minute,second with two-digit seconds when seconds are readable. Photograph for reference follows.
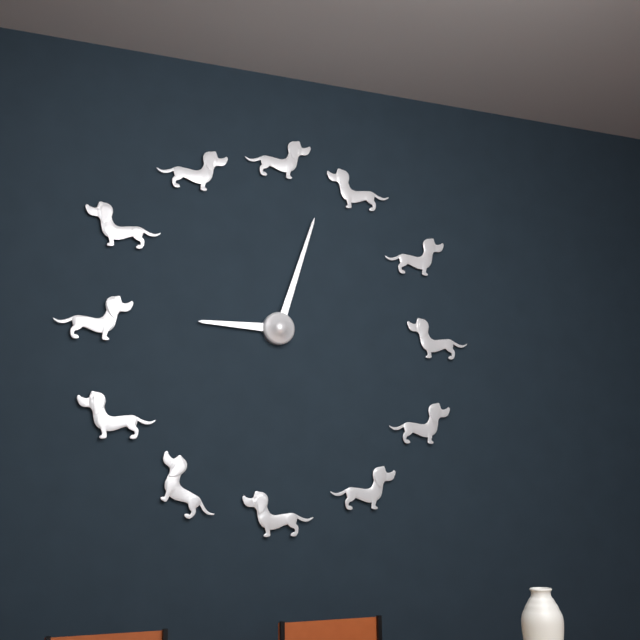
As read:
9,03
